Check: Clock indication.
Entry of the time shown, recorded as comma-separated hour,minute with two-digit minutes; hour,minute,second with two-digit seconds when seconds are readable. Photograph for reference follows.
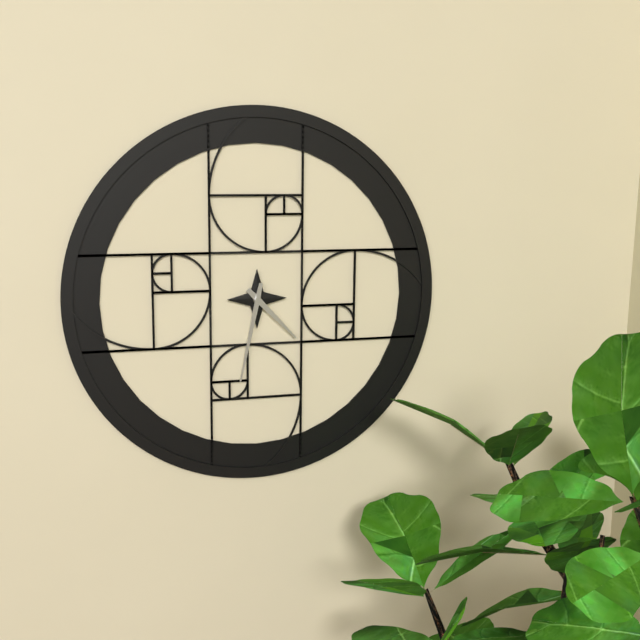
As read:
4,32
